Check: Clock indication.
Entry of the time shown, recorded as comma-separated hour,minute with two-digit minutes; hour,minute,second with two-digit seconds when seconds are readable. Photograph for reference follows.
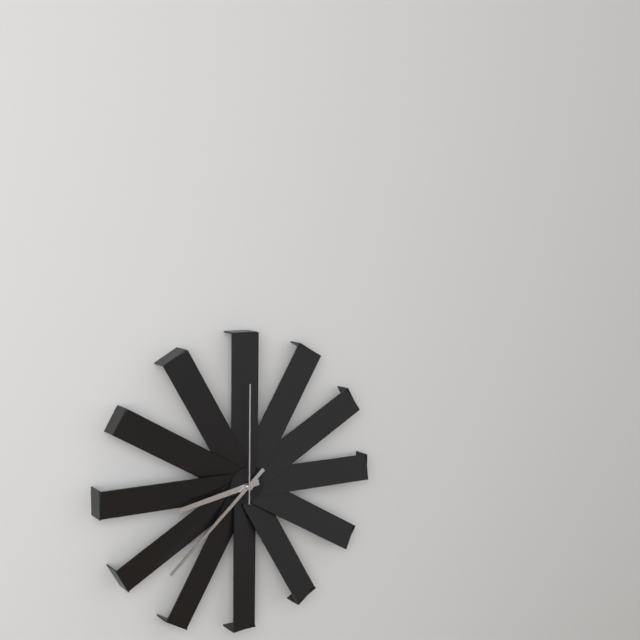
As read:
8,38,00
